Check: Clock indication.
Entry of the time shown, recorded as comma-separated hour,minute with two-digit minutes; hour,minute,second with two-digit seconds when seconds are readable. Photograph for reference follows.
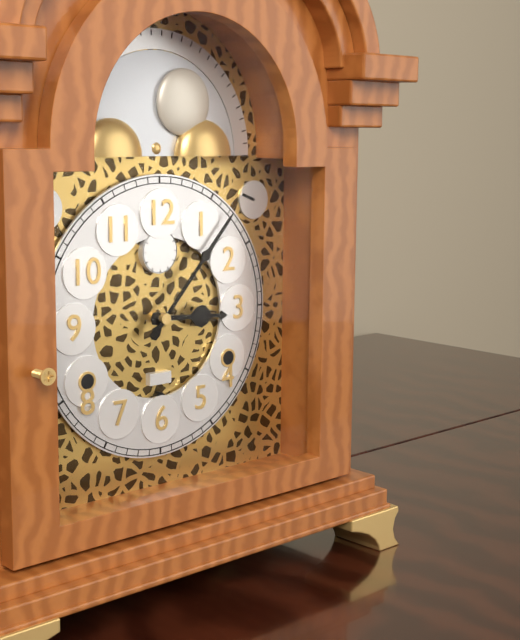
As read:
3,07
